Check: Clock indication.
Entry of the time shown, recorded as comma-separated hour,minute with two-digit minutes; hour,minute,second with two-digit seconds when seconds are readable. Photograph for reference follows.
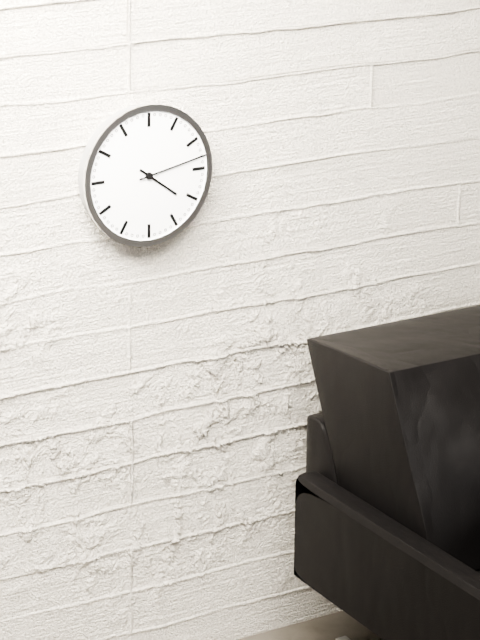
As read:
4,13
